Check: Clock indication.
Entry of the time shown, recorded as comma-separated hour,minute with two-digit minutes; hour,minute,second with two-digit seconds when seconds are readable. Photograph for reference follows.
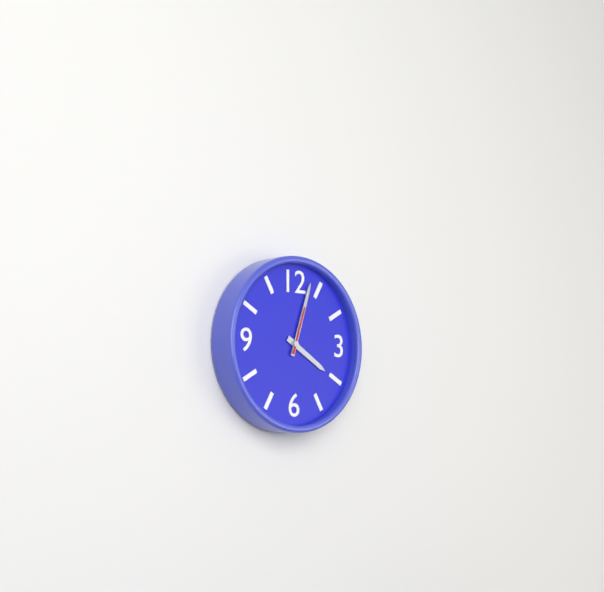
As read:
4,03
